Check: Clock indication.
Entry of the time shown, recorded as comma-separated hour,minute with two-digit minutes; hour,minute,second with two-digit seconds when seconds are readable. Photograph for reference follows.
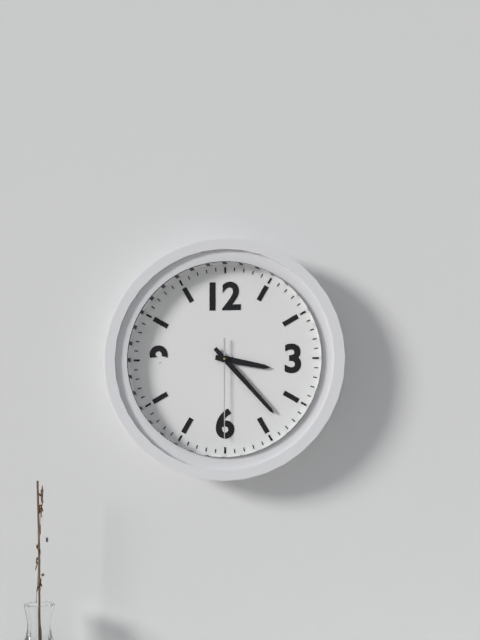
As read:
3,23,30
